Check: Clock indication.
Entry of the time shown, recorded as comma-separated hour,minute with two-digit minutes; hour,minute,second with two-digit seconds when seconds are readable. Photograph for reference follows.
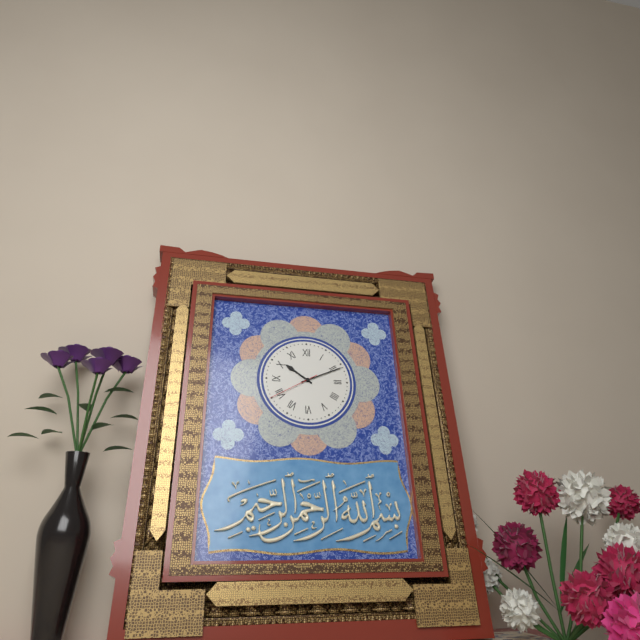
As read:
10,11,40
